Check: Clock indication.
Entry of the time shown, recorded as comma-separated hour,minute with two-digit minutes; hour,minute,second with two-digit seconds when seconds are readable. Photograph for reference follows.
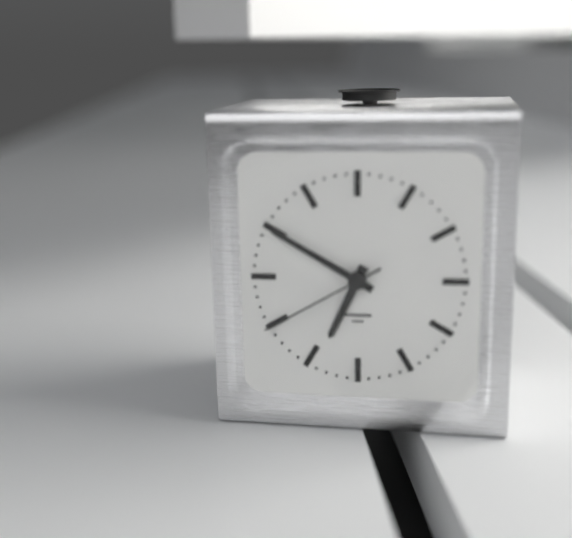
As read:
6,50,40
